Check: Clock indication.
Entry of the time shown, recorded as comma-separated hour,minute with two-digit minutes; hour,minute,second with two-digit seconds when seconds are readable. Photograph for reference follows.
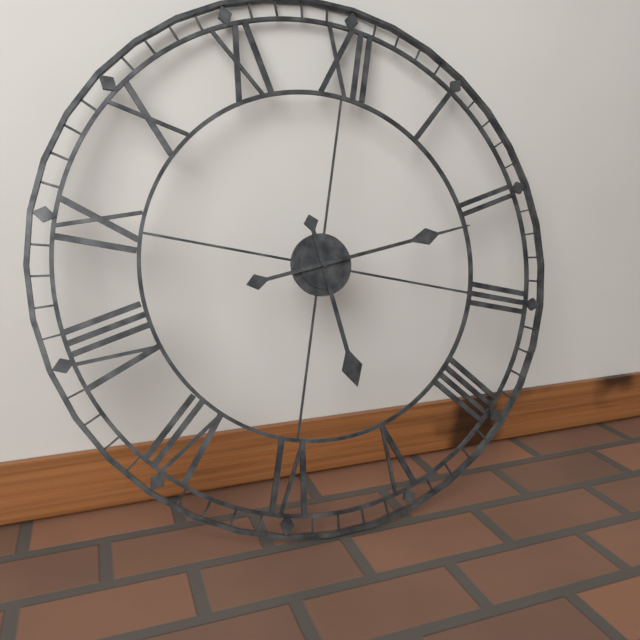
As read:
5,11
